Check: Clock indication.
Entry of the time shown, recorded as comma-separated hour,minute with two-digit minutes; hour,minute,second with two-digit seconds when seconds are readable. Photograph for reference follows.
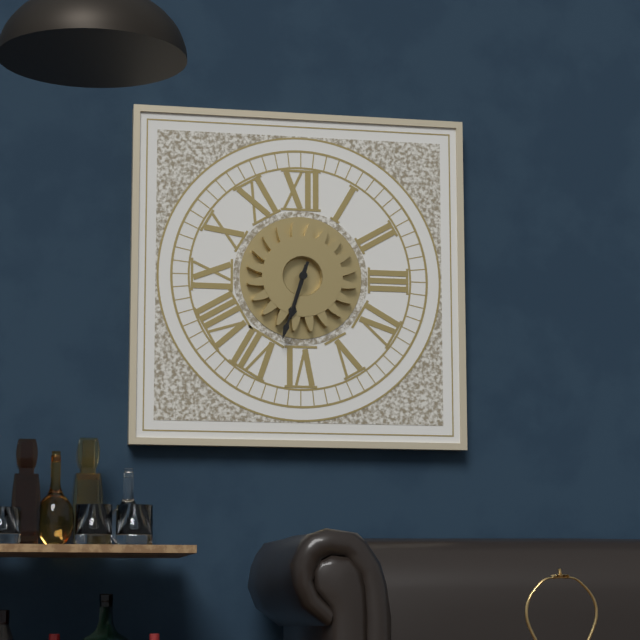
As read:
6,33
